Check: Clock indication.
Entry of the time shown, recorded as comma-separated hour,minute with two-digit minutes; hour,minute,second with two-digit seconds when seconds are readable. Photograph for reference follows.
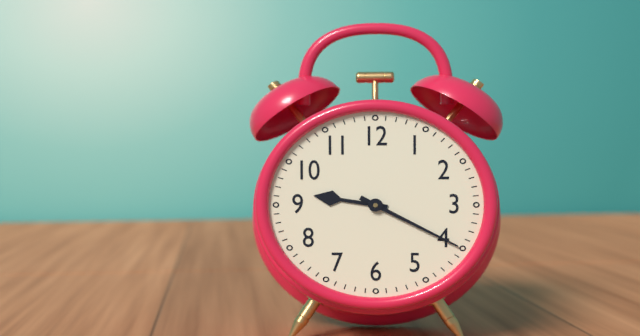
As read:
9,20
